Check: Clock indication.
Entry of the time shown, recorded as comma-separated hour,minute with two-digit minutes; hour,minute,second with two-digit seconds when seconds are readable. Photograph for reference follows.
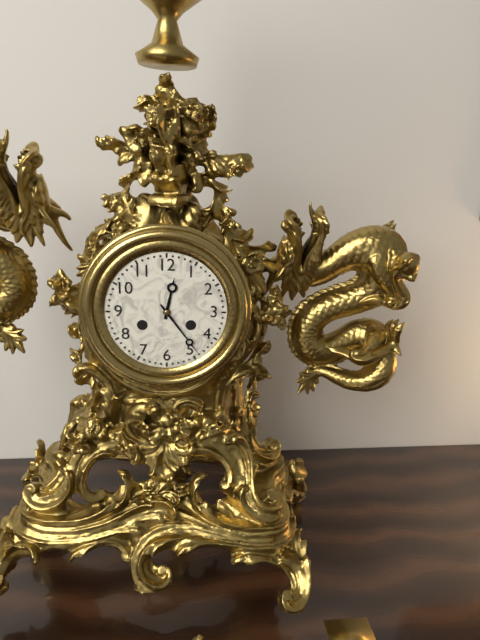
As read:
12,24
